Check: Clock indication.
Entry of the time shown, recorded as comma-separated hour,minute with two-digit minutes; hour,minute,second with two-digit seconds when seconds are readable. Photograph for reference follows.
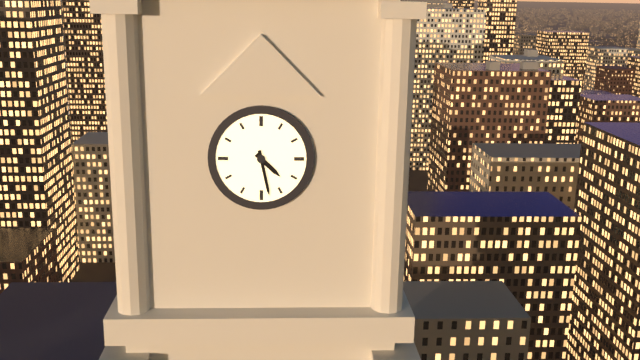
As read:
4,28
